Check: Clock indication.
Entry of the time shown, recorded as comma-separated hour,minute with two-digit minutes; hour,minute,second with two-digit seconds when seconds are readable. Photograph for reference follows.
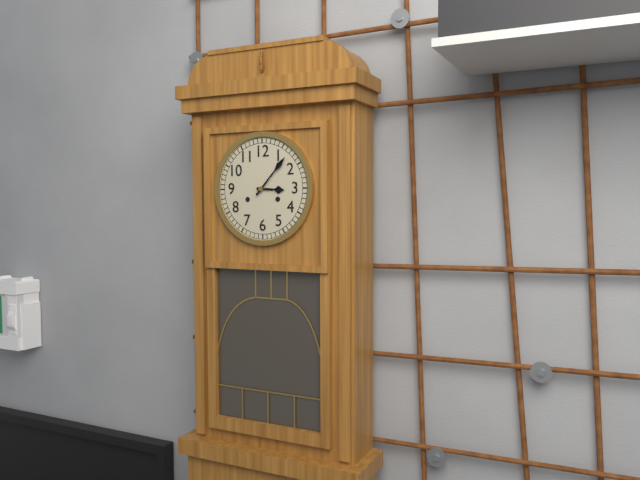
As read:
3,07
